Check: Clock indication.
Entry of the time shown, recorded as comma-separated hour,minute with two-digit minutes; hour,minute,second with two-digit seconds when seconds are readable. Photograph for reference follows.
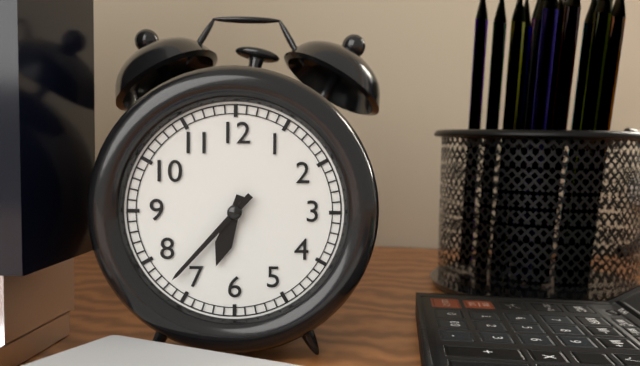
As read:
6,37
